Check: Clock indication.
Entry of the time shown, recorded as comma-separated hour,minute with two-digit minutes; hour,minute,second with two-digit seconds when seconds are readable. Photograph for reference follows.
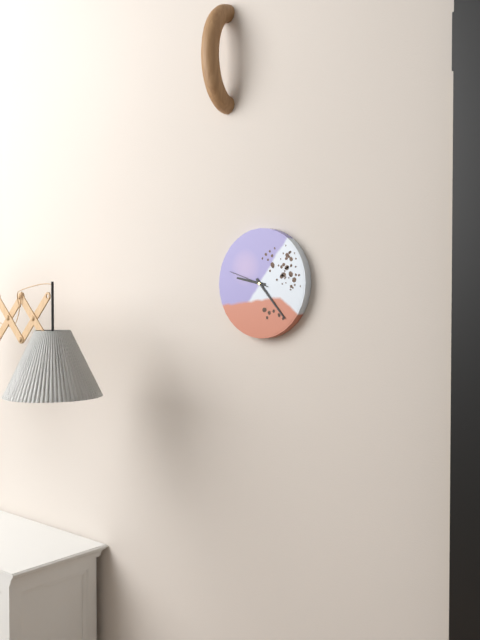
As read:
9,23
